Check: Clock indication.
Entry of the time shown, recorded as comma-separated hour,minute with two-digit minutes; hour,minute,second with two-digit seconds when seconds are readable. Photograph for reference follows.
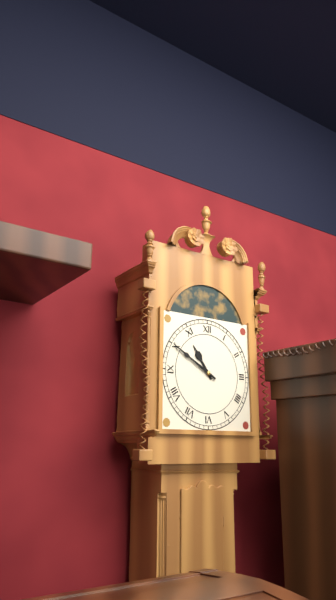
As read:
10,50
